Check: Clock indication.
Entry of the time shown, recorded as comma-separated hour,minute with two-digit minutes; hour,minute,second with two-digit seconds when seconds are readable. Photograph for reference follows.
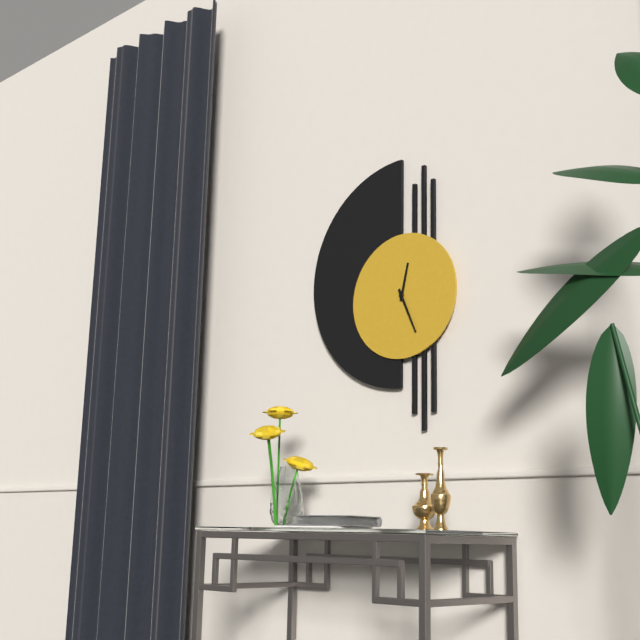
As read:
12,26
